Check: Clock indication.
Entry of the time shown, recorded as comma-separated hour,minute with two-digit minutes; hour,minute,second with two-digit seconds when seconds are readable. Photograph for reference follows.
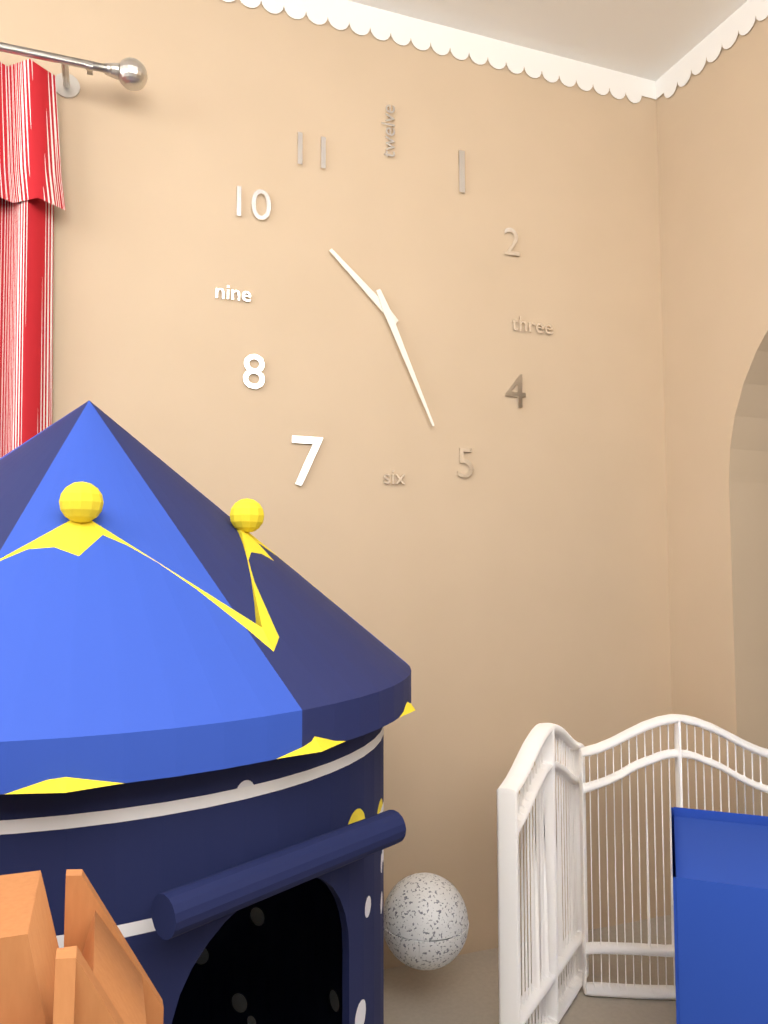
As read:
10,26
